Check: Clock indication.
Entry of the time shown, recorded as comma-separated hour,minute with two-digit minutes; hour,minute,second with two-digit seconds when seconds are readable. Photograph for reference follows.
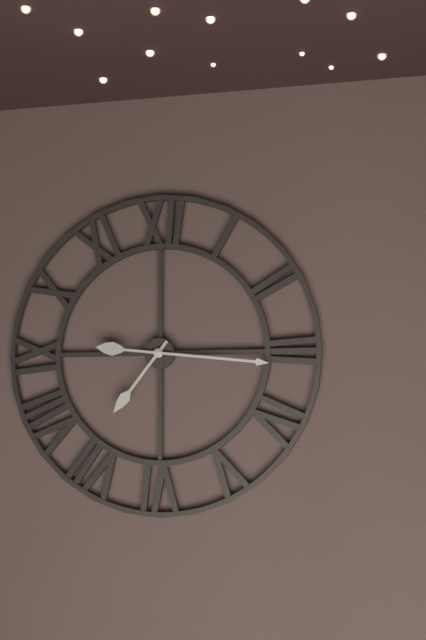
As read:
7,16
